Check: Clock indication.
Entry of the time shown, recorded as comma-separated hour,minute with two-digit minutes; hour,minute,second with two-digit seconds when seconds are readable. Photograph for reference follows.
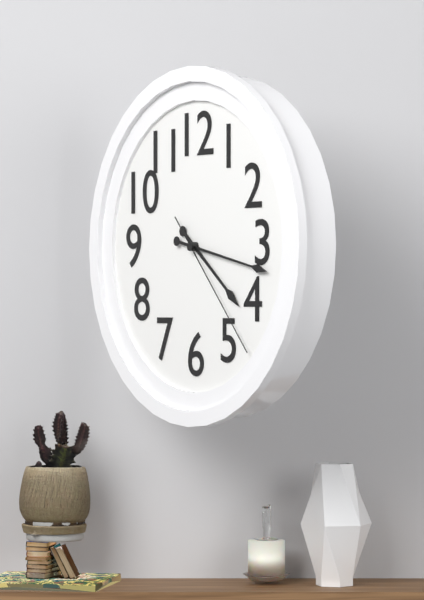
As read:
4,17,23
